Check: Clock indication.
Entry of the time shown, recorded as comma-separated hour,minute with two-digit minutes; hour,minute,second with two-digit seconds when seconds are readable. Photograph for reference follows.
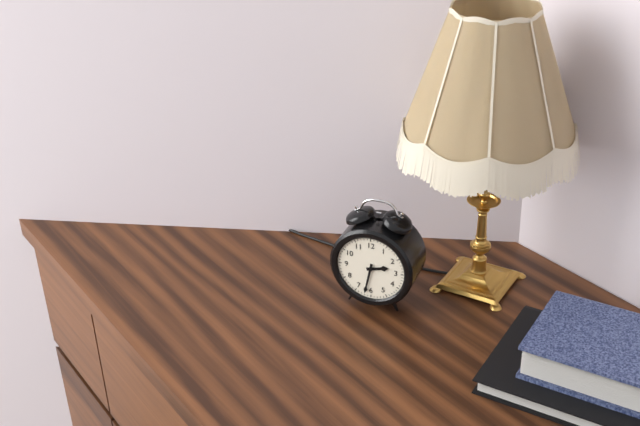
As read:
2,32
